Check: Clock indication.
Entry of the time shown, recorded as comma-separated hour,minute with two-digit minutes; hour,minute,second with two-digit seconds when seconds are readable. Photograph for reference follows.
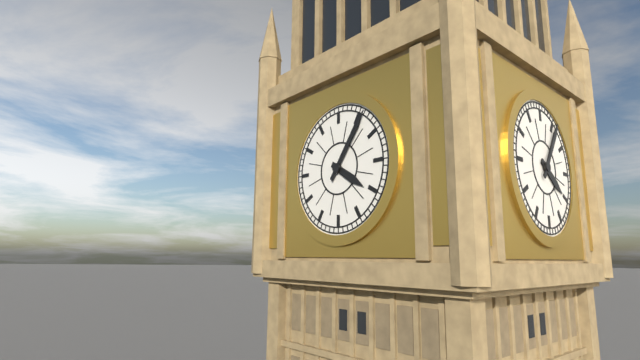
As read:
4,06
